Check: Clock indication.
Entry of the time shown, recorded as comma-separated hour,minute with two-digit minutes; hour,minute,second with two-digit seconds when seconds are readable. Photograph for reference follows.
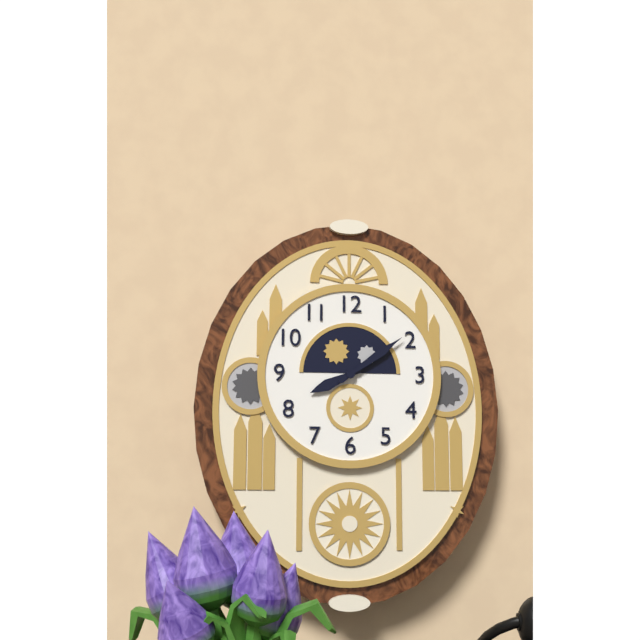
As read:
8,09
